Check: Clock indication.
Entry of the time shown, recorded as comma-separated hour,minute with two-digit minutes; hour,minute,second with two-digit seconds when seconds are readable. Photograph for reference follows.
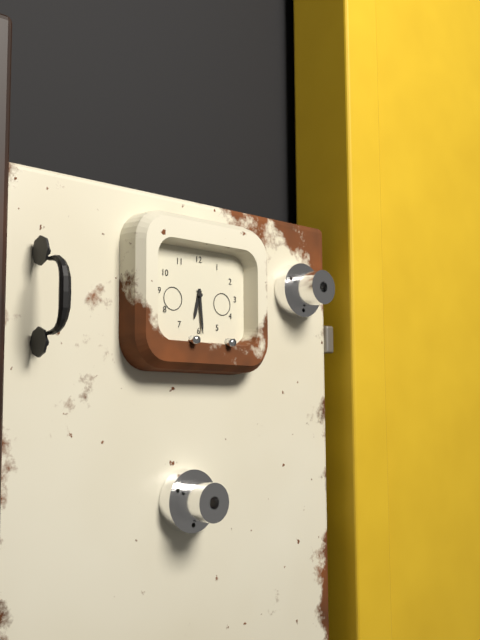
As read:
6,29
